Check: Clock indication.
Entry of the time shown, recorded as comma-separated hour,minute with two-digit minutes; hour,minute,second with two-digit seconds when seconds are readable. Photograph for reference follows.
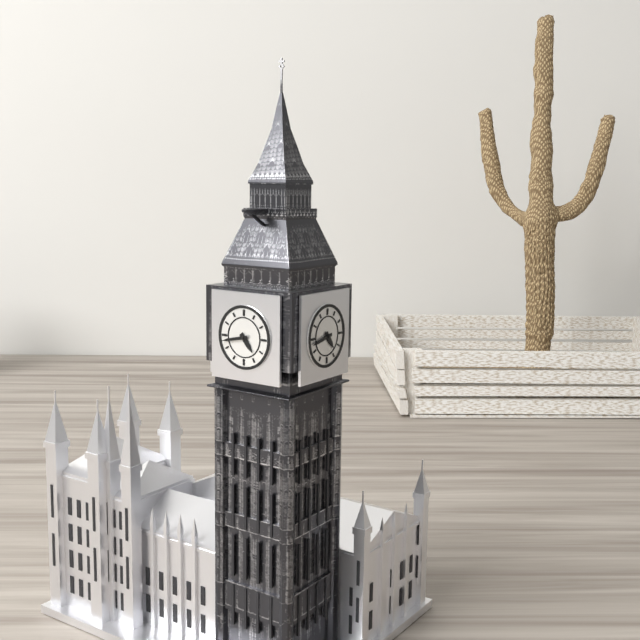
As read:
4,43
